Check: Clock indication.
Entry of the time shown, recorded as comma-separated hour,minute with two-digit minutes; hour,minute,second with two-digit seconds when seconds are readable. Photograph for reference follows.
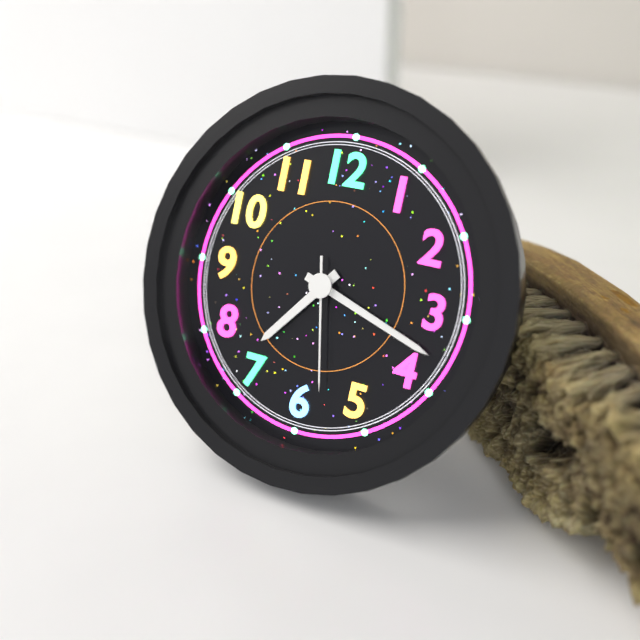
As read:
7,18,28
